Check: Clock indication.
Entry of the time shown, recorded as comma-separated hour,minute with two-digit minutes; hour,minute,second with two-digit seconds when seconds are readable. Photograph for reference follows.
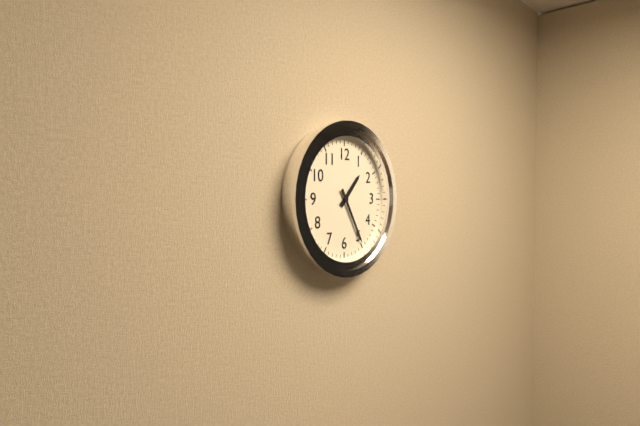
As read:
1,25
